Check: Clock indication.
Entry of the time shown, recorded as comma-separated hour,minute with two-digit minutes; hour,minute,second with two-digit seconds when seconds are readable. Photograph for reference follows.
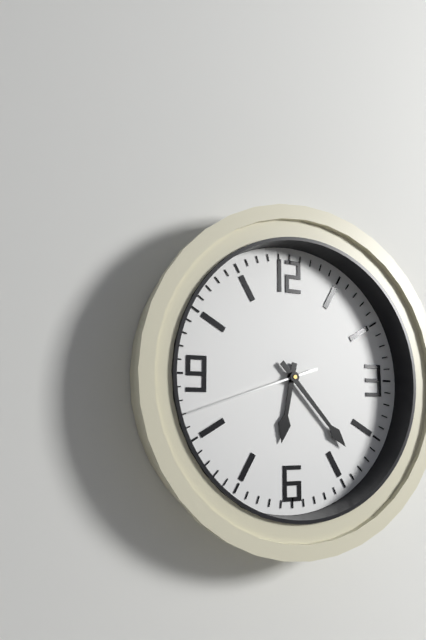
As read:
6,23,42
